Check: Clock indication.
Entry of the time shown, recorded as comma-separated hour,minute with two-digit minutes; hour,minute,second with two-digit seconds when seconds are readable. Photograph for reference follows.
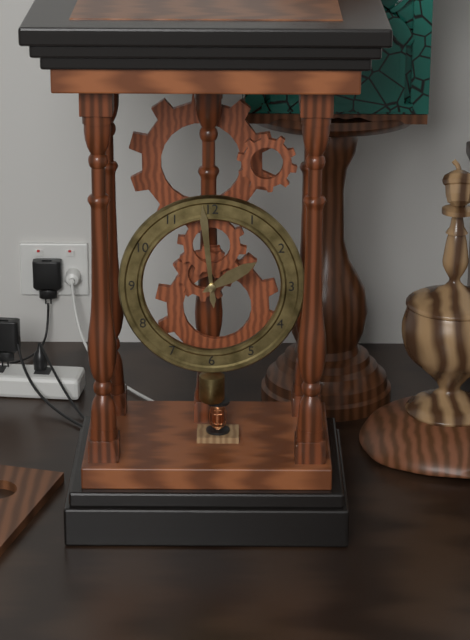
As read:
1,59
